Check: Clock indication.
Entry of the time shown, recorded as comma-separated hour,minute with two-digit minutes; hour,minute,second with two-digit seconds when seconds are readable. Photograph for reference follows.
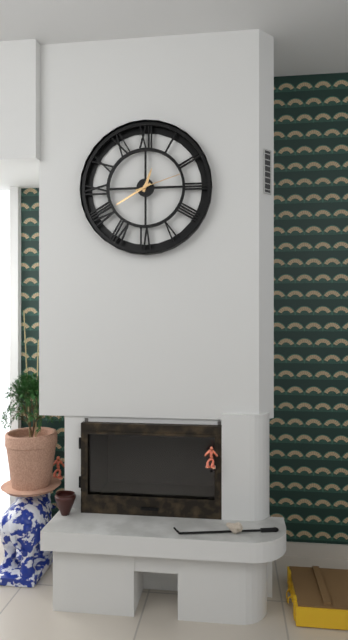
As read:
12,40
